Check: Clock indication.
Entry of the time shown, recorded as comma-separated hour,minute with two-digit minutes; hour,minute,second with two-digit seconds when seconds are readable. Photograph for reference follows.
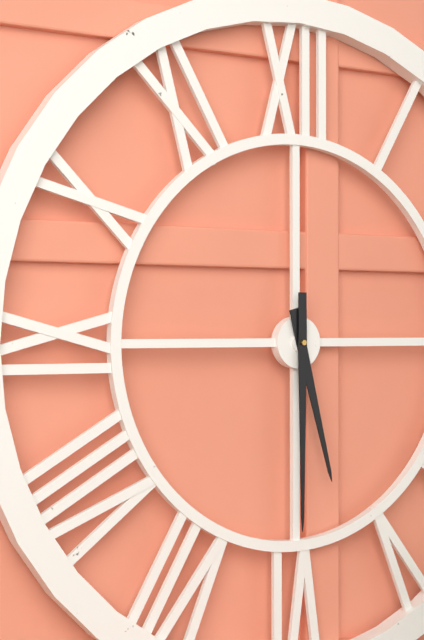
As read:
5,30
